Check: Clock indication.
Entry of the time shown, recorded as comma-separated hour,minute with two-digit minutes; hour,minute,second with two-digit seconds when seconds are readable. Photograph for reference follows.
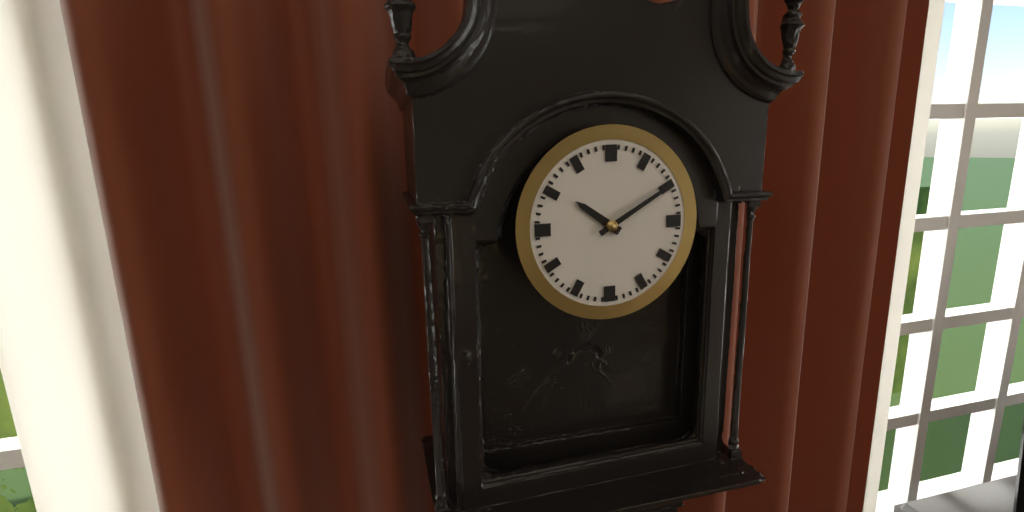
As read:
10,10
